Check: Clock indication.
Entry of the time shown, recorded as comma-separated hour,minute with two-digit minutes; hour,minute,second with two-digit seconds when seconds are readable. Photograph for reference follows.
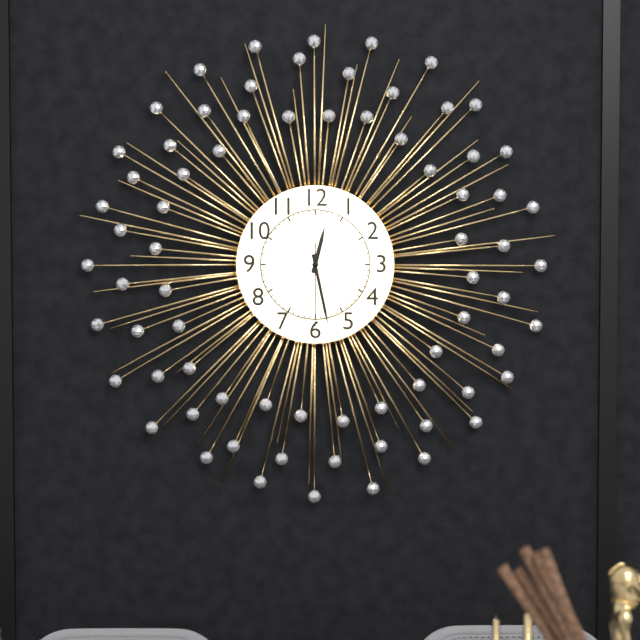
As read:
12,28,30
